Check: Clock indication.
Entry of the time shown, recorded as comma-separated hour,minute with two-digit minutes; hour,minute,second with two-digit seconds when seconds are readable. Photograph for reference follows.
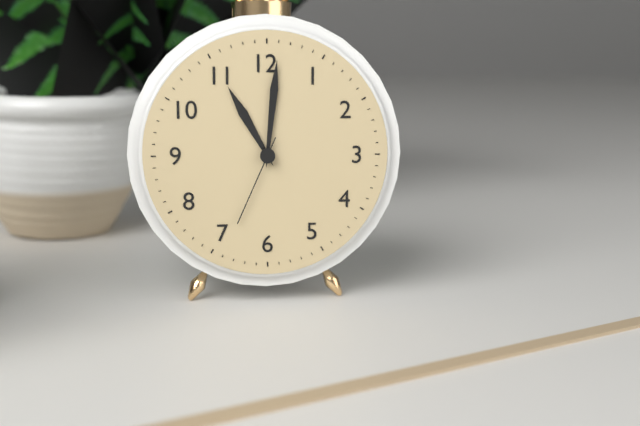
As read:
11,01,34
